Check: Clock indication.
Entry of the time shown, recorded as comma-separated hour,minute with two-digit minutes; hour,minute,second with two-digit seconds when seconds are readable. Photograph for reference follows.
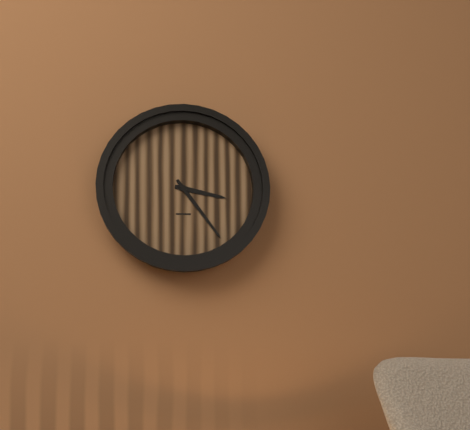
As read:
3,24
